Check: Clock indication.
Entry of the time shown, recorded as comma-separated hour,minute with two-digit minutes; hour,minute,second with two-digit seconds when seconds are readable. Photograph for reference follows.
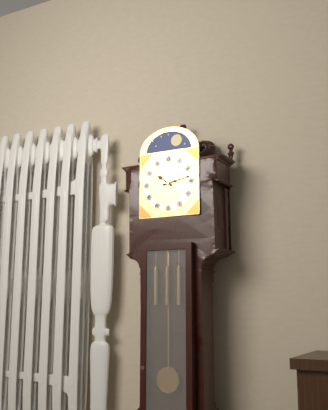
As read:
10,13
